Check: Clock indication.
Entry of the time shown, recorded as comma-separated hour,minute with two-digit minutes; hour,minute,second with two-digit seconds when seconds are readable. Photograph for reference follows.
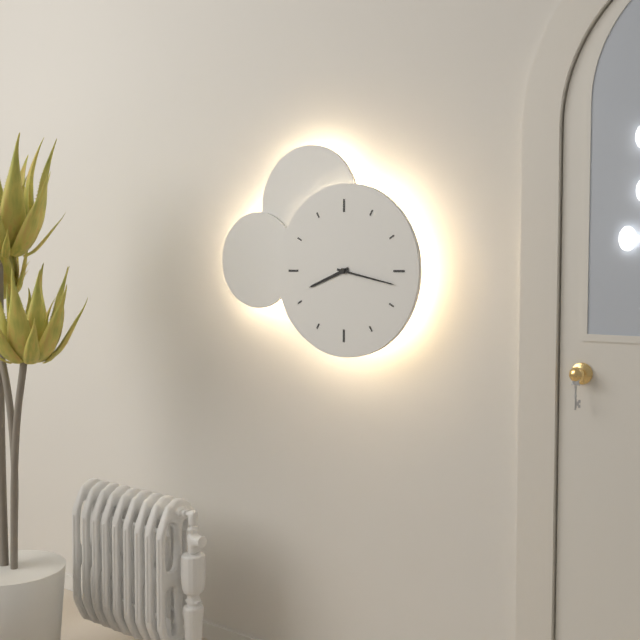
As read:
8,17
